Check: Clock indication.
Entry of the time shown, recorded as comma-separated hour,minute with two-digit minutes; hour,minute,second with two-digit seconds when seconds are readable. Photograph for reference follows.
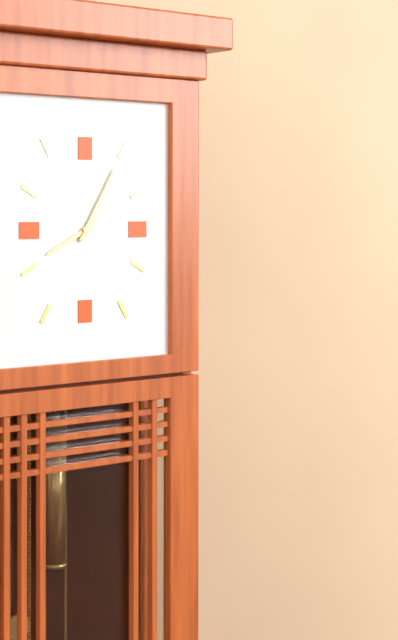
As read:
8,05
